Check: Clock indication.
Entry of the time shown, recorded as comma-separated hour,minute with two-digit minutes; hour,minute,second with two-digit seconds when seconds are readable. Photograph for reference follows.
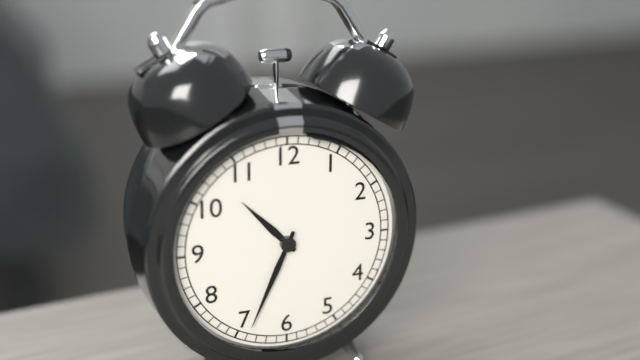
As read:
10,34
